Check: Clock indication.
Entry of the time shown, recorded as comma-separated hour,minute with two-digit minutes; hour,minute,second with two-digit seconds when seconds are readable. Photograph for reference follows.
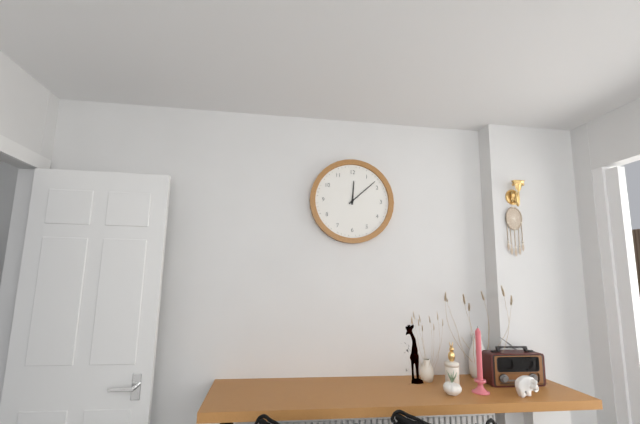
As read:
12,08
